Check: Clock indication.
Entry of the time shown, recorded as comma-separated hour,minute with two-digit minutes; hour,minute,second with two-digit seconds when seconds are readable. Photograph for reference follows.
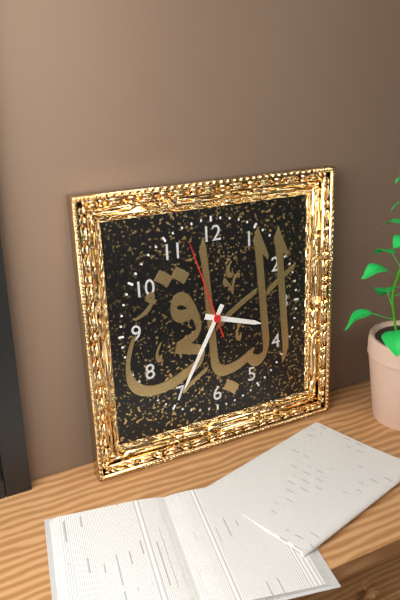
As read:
3,35,57
